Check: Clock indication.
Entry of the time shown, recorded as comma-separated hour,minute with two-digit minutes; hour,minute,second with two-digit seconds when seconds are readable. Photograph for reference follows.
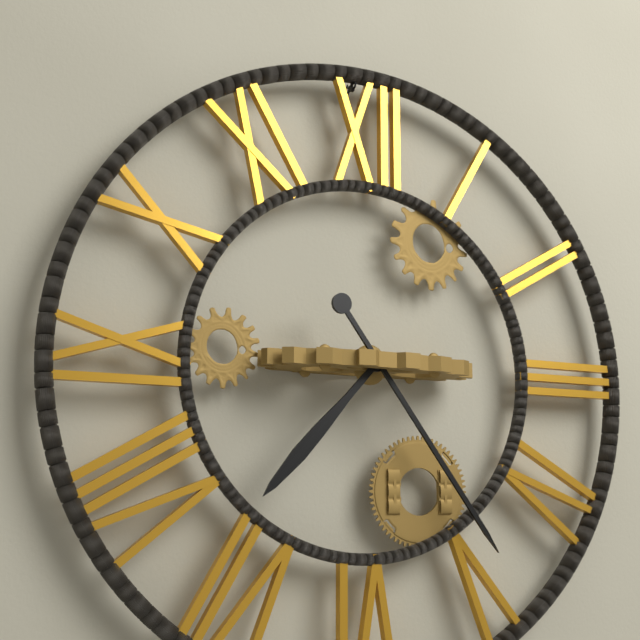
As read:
7,24
